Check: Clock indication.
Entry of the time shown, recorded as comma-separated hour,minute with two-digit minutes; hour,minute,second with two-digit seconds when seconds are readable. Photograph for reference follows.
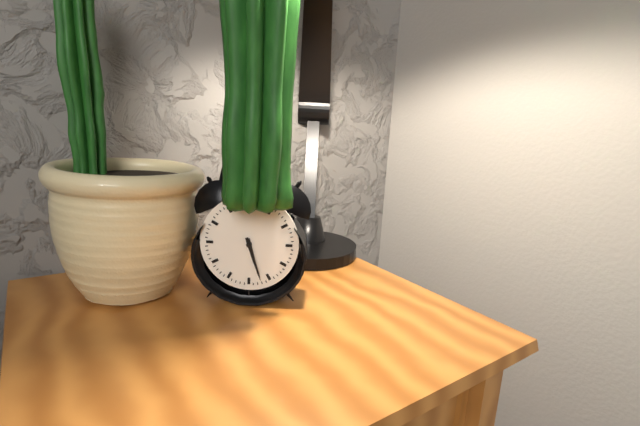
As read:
5,27
